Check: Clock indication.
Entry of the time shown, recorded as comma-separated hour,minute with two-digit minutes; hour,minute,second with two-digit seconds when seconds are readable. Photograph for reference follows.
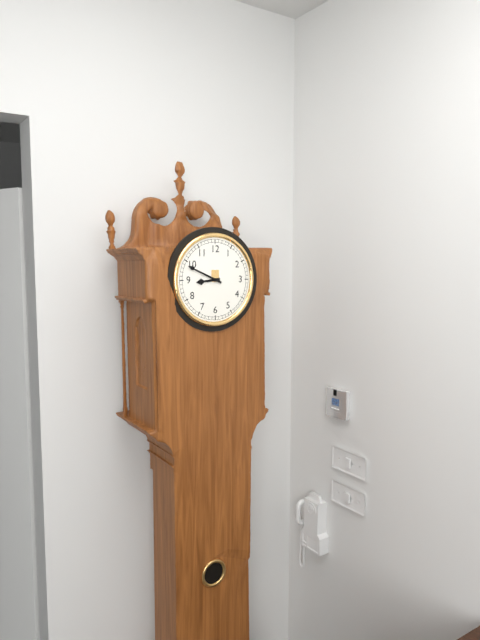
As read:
8,49
